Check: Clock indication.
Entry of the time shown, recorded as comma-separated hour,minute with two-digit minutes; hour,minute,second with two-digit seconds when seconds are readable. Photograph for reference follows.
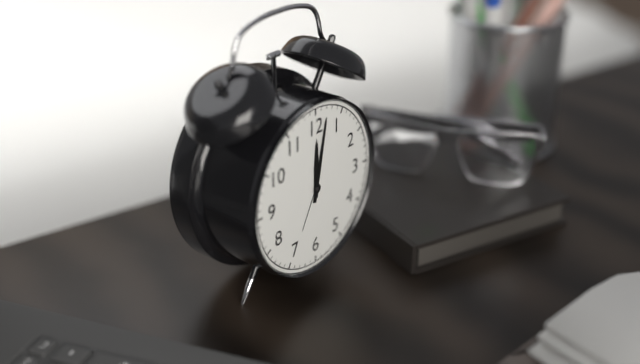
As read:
12,02
